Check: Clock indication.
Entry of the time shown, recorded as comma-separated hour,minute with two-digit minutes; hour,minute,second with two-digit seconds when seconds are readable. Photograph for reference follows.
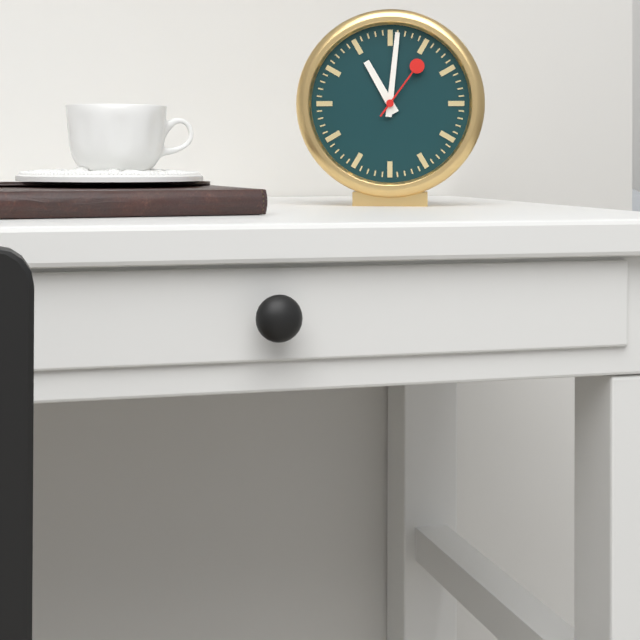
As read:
11,01,06
